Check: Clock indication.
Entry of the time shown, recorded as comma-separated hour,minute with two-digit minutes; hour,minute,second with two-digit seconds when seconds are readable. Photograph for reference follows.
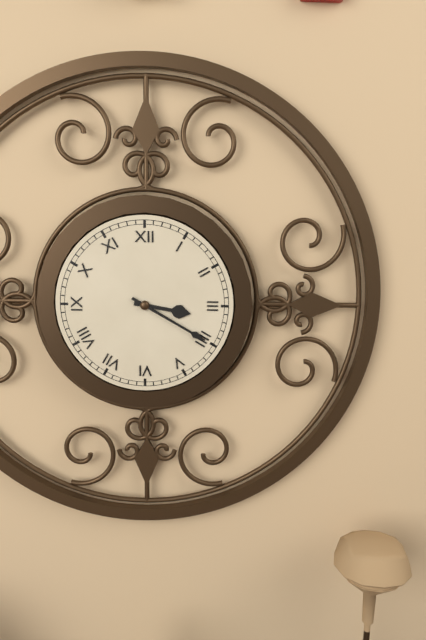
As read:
3,20
